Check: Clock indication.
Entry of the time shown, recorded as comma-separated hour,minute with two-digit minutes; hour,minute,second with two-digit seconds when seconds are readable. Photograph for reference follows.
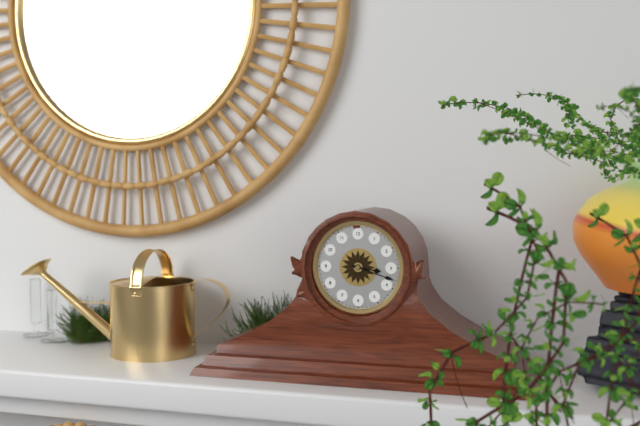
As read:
3,18
